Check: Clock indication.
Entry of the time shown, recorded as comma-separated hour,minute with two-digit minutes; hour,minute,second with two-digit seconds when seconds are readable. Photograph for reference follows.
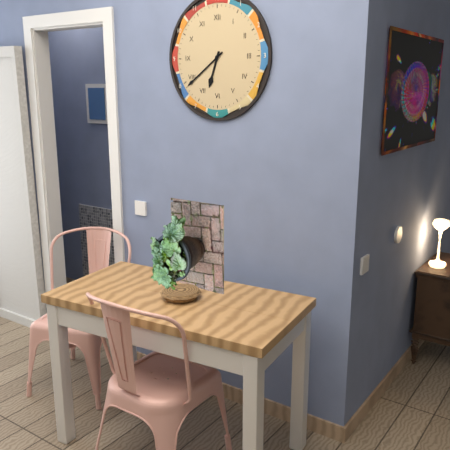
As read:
6,39
